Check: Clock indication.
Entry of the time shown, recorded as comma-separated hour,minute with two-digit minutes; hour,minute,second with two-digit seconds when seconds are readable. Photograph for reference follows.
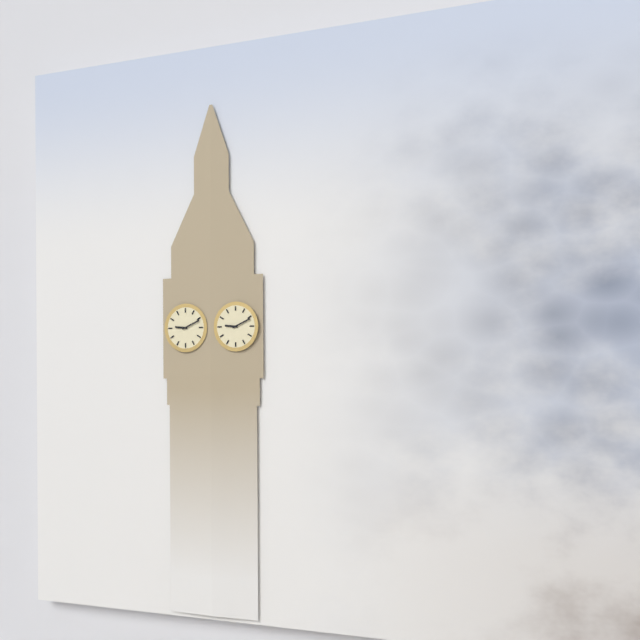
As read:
9,11
